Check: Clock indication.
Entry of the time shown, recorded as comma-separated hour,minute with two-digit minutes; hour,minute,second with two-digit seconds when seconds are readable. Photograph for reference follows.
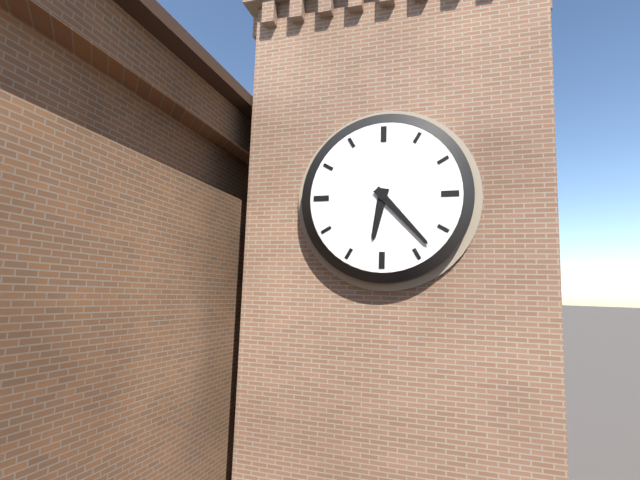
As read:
6,23
